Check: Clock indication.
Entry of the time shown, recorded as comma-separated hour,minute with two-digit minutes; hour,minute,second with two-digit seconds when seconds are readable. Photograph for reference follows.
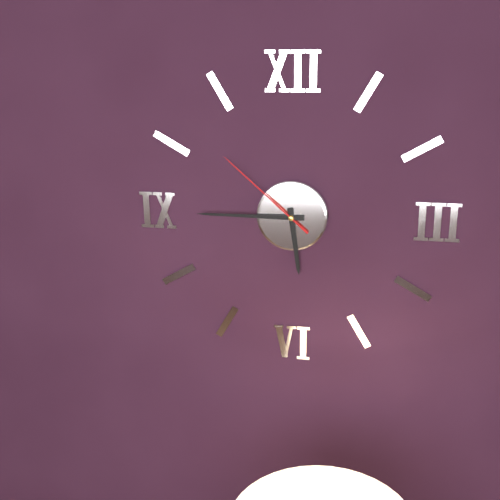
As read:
5,45,52
